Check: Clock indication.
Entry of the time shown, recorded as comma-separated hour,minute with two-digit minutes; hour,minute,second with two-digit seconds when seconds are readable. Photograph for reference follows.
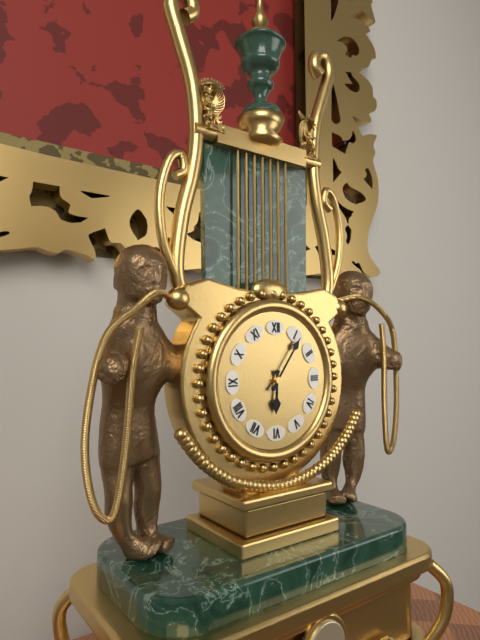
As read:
6,06
